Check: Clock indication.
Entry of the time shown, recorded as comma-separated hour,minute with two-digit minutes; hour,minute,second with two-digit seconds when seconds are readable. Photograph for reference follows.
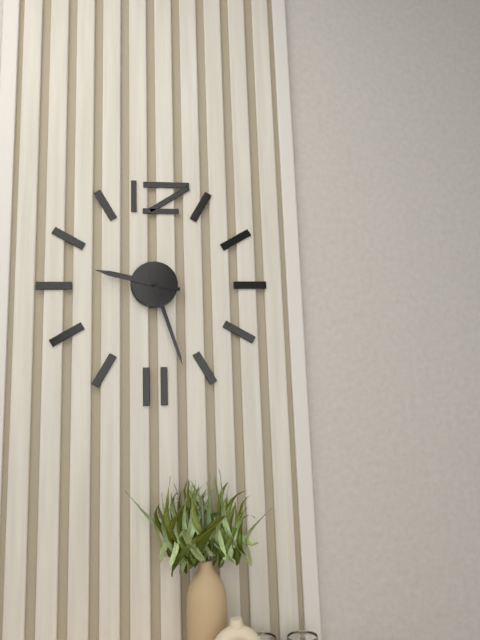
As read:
9,27
